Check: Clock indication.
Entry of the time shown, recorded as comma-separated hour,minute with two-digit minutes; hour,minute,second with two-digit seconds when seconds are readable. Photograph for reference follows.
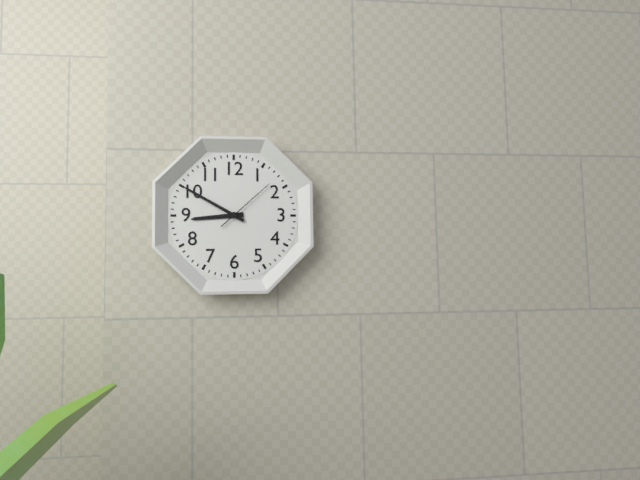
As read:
8,50,08
